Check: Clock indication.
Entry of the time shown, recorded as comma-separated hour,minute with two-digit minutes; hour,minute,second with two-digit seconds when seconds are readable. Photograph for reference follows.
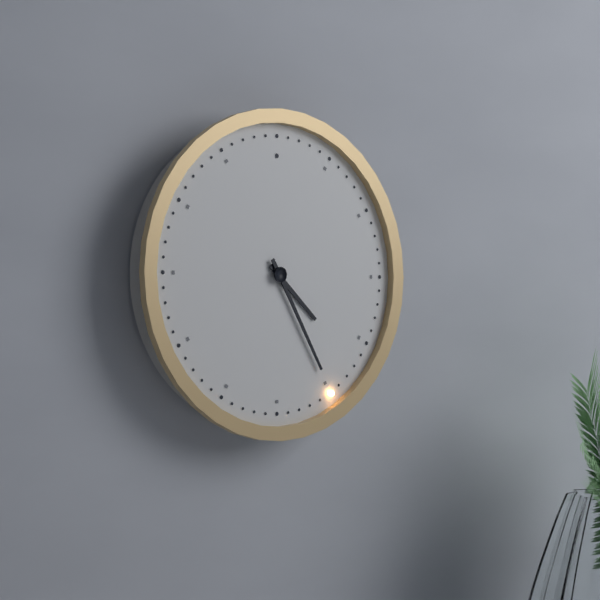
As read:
4,25
